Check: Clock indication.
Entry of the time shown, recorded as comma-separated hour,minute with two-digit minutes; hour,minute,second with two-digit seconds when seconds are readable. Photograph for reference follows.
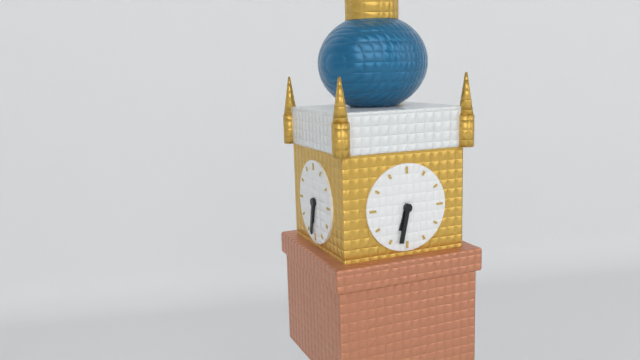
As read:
6,32
